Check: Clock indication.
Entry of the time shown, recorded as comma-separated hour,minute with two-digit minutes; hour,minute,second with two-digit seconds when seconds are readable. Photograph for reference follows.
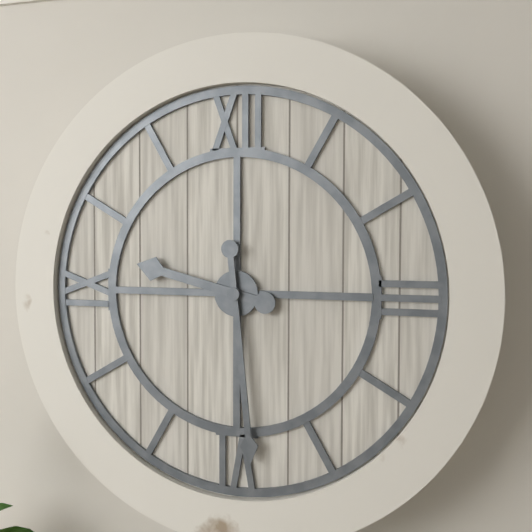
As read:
9,29
